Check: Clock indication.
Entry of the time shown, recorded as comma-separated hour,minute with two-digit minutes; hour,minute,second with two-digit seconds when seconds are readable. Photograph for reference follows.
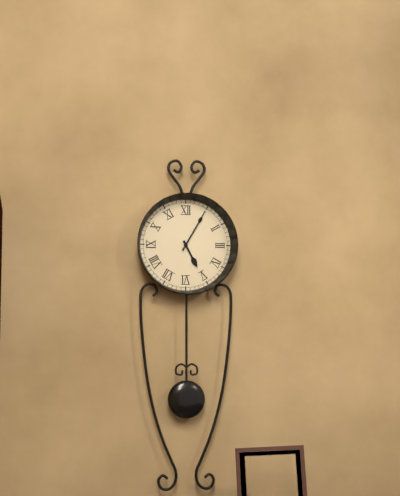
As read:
5,05
